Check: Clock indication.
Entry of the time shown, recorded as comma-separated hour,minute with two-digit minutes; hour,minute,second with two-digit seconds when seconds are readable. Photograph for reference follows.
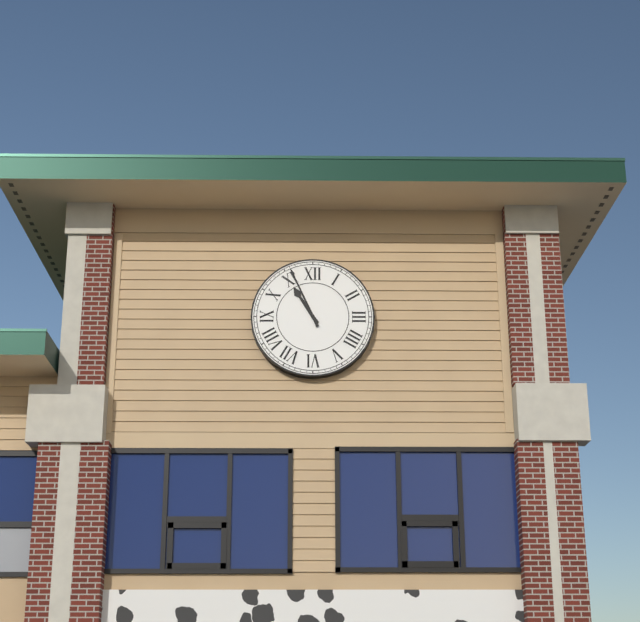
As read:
10,56
